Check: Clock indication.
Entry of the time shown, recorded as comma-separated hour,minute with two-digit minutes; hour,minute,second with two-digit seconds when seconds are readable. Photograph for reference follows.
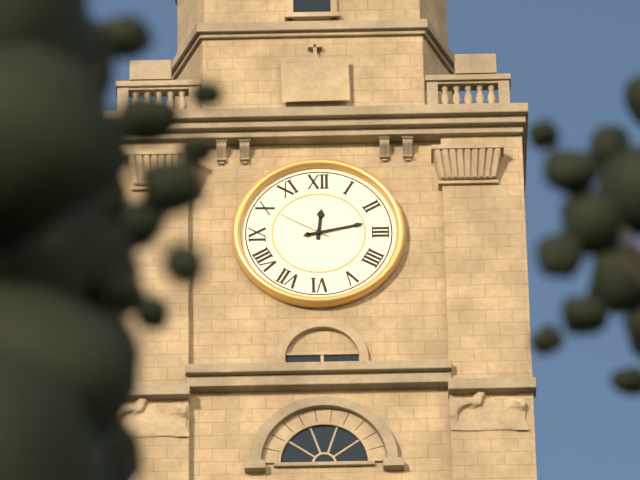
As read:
12,13,50
